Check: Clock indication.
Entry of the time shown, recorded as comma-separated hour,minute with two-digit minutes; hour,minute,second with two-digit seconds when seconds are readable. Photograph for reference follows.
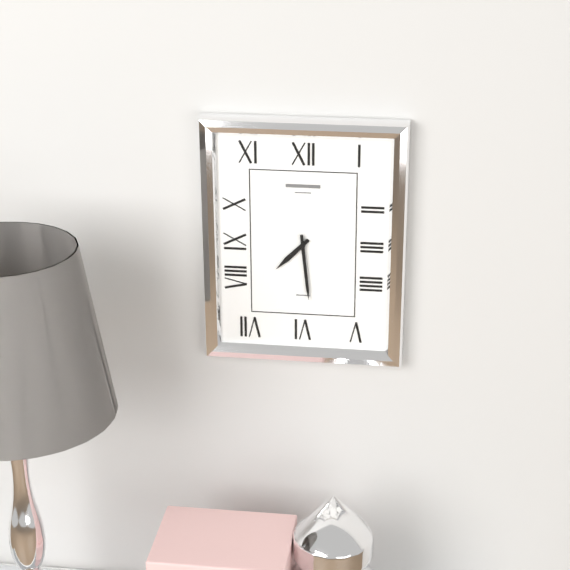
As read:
7,29
